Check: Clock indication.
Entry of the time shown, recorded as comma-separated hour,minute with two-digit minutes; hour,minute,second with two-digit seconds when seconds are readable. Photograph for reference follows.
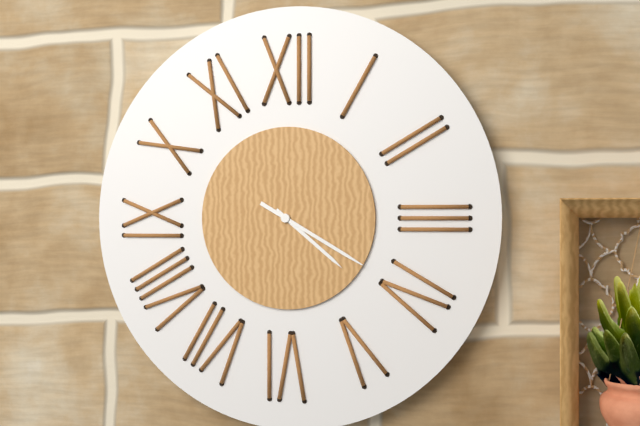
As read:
4,20
